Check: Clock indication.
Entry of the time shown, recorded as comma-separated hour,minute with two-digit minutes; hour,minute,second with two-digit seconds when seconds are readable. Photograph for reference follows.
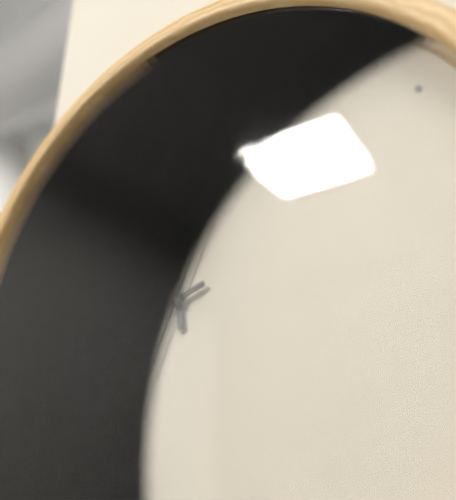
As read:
11,42,04
